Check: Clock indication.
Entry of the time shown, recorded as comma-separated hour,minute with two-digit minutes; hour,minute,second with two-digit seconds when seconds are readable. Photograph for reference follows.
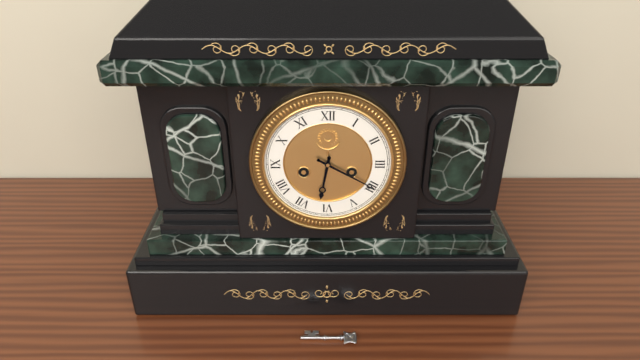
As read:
6,20
